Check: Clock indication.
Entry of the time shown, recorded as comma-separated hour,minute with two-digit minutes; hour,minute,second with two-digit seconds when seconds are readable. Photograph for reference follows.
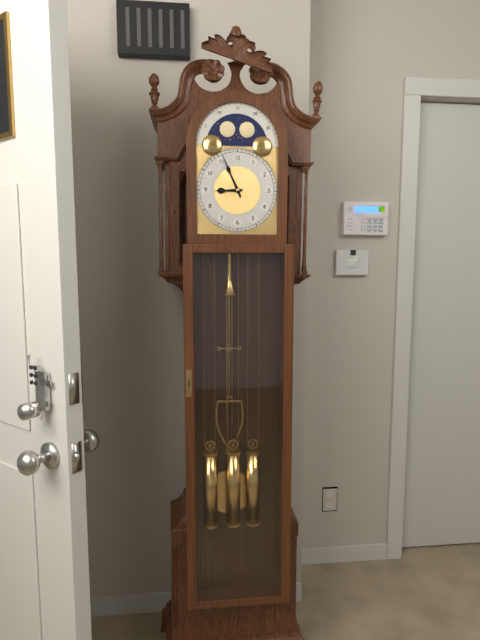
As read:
8,56
